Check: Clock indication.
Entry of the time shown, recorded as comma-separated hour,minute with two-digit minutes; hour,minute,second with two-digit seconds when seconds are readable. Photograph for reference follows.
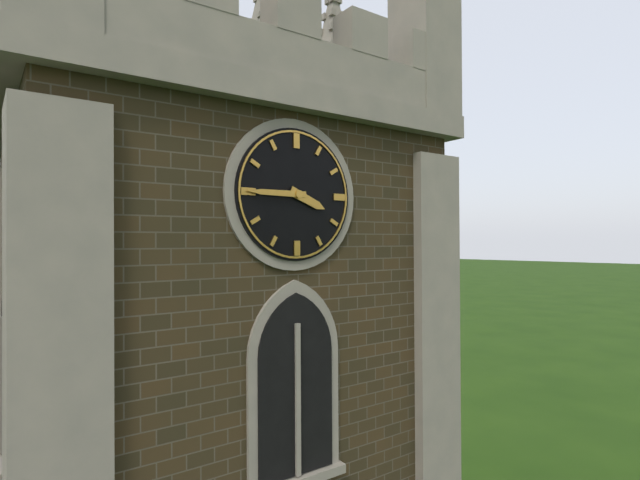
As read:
3,45
